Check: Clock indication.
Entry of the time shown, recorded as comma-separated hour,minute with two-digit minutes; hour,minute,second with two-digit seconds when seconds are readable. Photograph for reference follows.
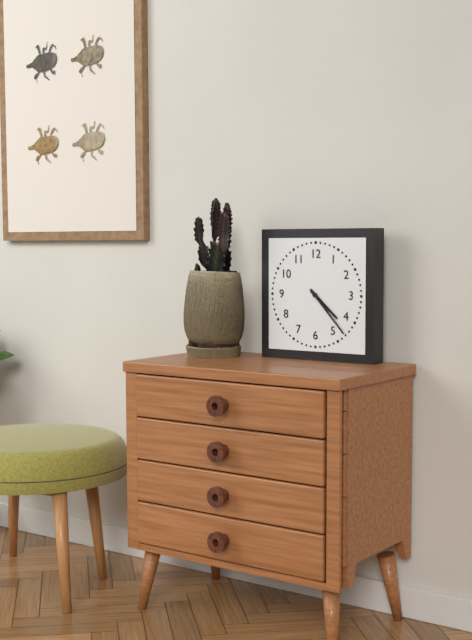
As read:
4,23
